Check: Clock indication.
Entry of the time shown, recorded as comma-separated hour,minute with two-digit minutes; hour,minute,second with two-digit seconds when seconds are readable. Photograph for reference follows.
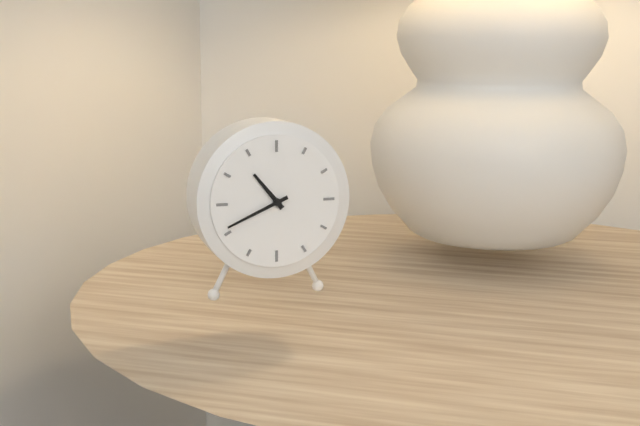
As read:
10,41
